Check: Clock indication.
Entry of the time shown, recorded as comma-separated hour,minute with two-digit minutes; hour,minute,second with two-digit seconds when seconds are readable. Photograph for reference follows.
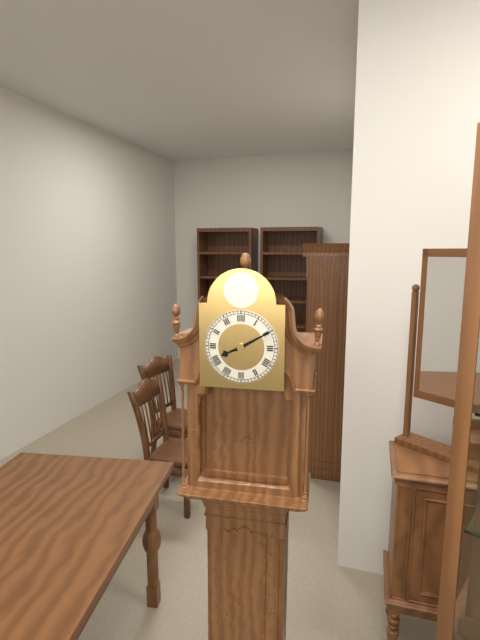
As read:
8,10
